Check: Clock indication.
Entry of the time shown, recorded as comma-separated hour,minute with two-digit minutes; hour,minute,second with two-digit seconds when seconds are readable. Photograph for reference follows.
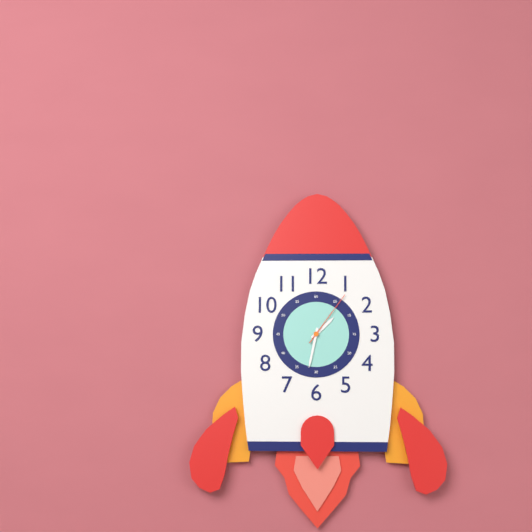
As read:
1,32,06
